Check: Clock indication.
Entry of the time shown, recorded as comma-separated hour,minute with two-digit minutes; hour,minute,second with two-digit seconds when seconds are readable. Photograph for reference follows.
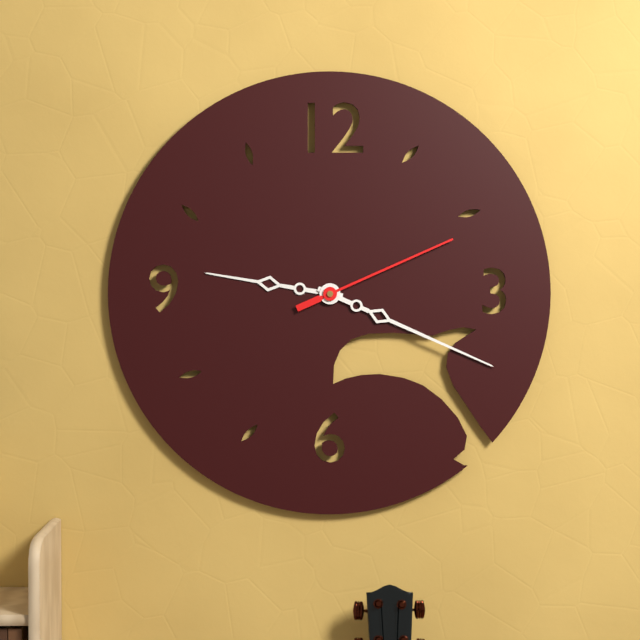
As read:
9,19,11
